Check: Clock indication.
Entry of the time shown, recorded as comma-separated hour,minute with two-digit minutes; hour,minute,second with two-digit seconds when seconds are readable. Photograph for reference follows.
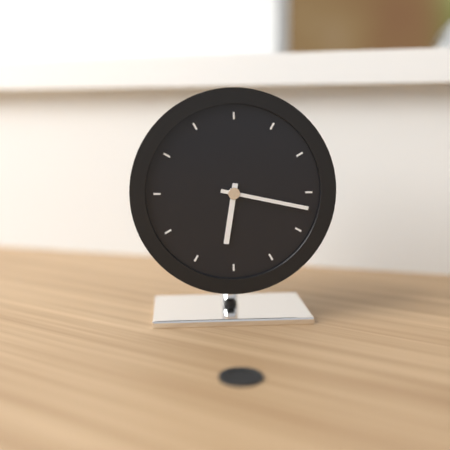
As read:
6,17
